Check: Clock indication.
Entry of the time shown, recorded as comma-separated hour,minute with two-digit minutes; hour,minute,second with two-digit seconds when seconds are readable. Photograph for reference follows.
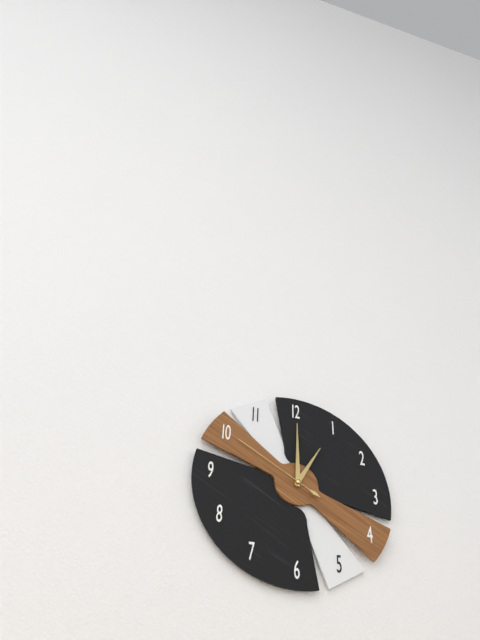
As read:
1,00,50
